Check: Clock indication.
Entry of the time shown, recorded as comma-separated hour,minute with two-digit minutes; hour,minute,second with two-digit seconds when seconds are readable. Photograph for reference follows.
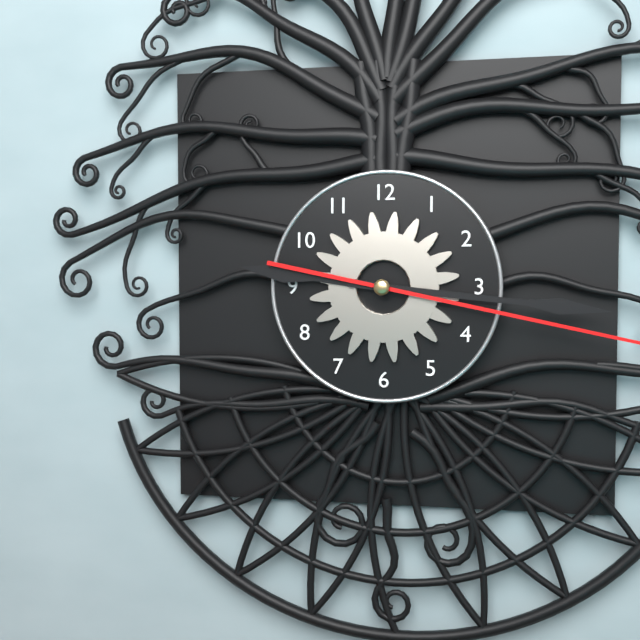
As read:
9,16
